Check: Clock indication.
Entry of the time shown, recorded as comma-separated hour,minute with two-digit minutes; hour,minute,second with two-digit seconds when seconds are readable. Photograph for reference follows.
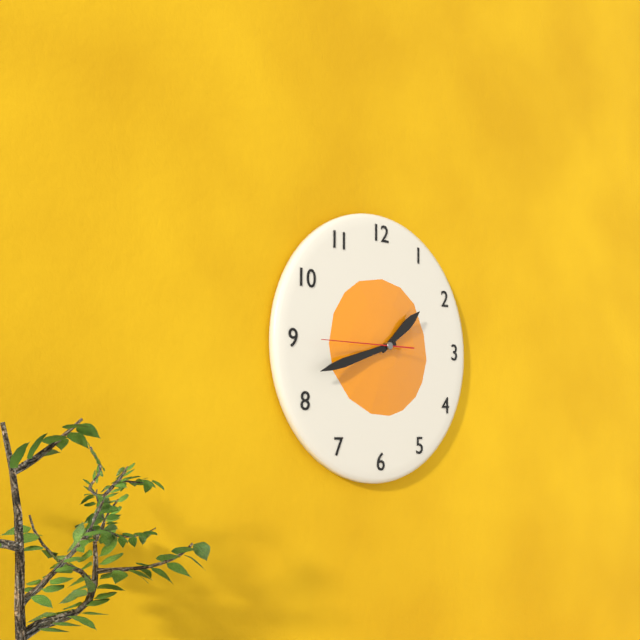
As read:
1,42,45
